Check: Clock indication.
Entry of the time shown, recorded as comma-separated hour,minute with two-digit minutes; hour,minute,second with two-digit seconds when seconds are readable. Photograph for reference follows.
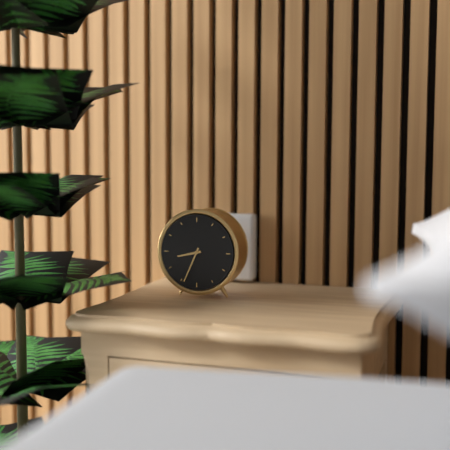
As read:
8,34
